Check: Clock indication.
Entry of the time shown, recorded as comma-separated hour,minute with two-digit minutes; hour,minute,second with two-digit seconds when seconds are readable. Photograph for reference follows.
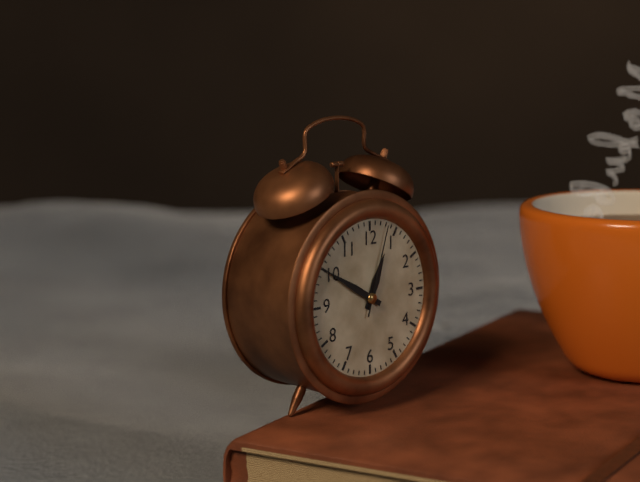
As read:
12,50,03
